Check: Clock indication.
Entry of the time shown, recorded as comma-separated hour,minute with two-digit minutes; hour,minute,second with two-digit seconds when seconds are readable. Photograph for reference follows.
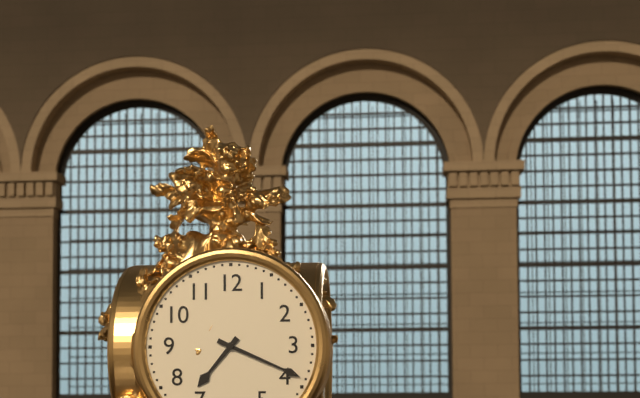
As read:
7,19
